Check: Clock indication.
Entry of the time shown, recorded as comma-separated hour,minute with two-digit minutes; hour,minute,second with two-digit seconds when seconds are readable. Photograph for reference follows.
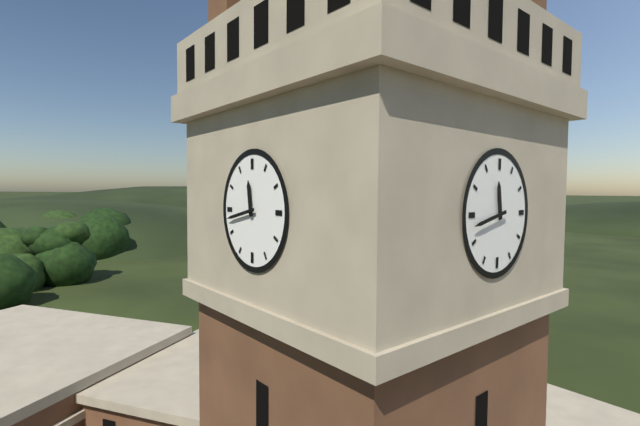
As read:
11,43
